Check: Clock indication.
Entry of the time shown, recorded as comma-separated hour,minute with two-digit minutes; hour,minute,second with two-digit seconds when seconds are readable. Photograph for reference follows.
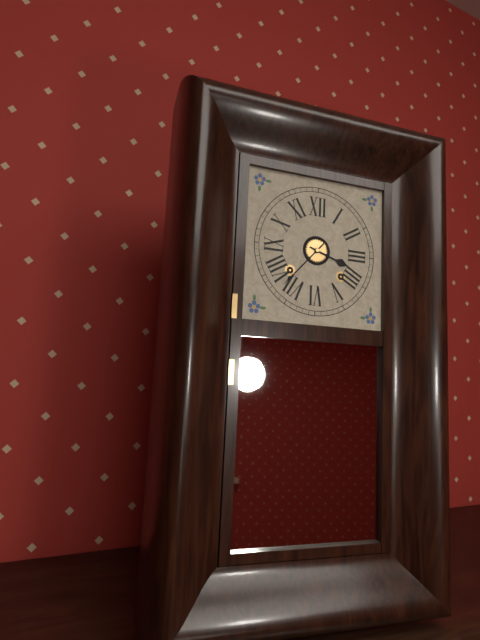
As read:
3,37
